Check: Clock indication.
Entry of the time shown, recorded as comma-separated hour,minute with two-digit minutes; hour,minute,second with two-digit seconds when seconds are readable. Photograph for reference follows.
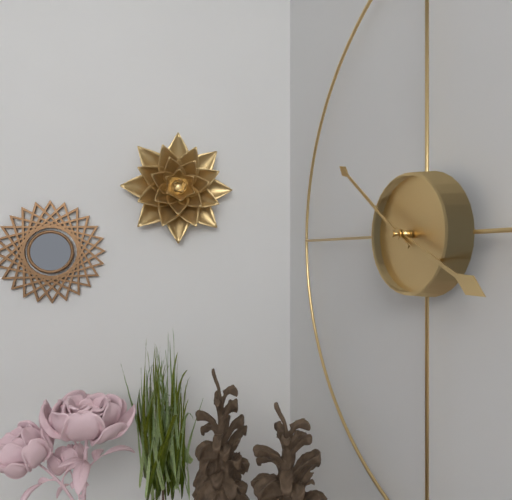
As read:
3,51
